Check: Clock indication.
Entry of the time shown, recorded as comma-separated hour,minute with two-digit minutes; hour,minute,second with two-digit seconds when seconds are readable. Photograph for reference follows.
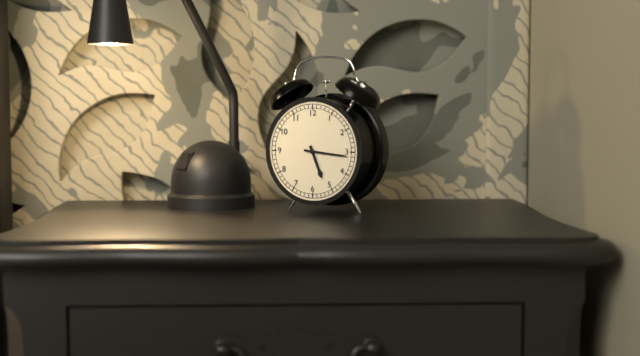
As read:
5,16
